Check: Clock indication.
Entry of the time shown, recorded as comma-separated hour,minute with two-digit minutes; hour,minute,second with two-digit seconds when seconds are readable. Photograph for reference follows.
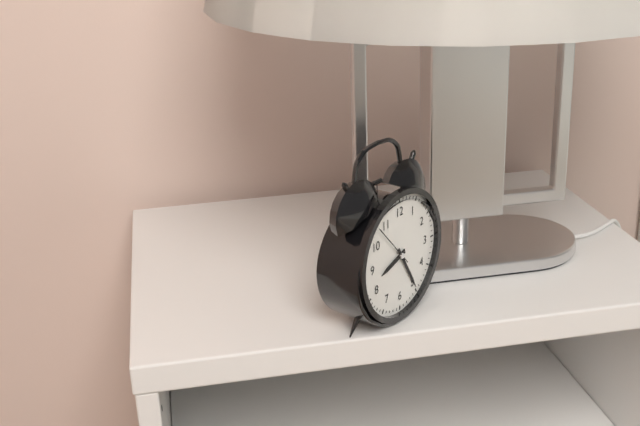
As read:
8,25
